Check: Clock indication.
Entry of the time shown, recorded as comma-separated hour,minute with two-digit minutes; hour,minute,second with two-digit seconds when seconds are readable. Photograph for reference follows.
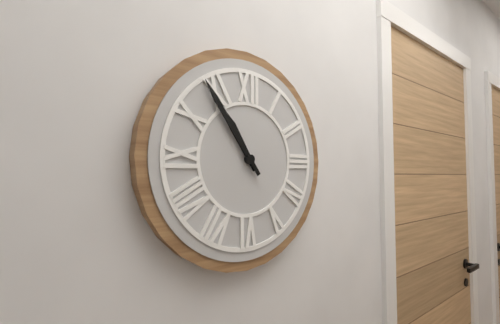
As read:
10,54
